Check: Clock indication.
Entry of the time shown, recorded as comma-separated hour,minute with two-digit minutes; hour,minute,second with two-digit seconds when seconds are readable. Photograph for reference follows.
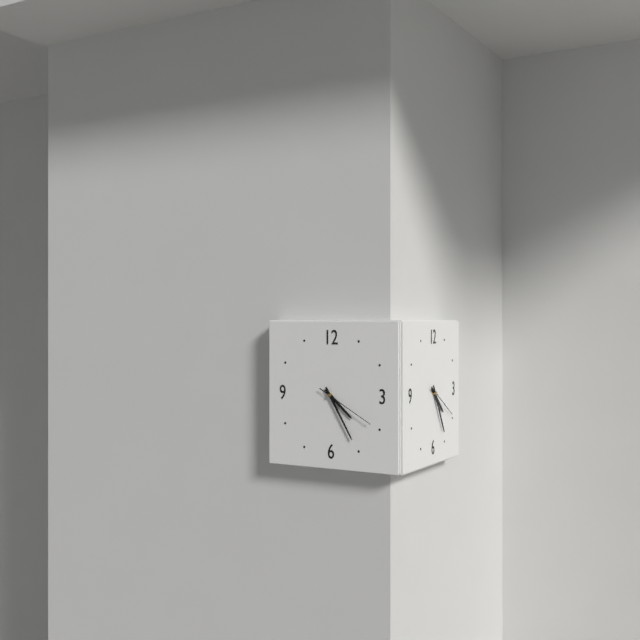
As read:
4,25,20
